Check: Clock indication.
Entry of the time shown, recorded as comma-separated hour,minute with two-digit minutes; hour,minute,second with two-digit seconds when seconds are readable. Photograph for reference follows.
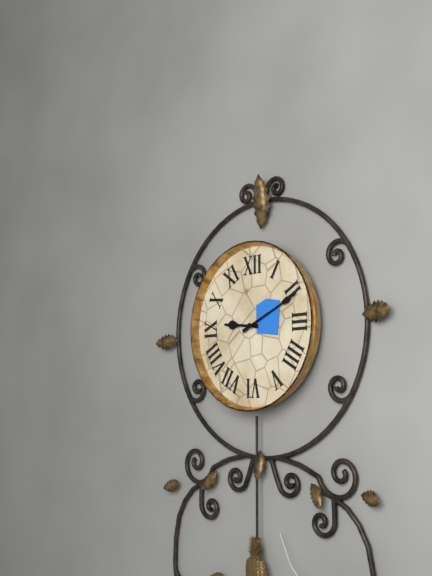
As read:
9,11
